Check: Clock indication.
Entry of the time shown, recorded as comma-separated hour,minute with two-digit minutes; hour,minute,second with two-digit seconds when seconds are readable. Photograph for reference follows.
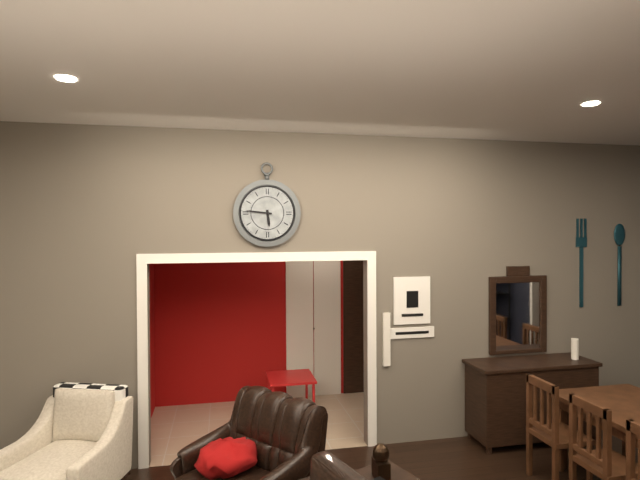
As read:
5,46
